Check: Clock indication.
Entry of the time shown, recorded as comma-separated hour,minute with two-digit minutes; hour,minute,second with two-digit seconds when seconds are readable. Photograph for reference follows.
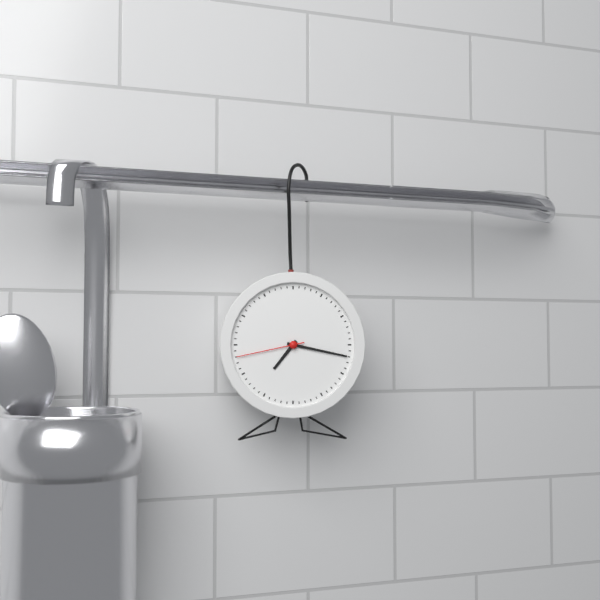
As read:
7,17,43
